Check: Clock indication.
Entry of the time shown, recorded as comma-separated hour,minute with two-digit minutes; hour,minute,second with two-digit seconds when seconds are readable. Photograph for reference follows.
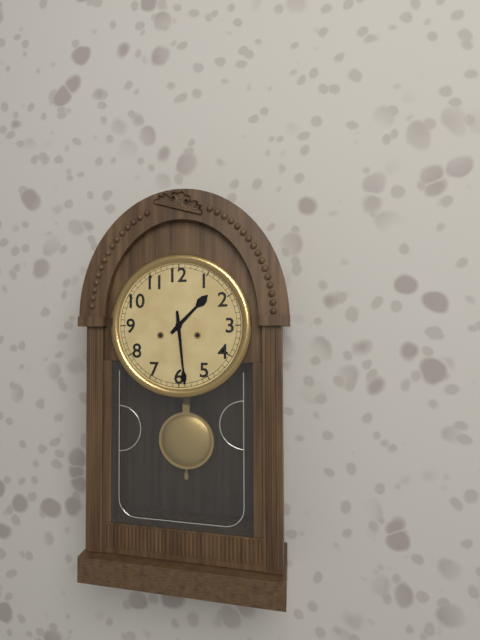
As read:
1,29
